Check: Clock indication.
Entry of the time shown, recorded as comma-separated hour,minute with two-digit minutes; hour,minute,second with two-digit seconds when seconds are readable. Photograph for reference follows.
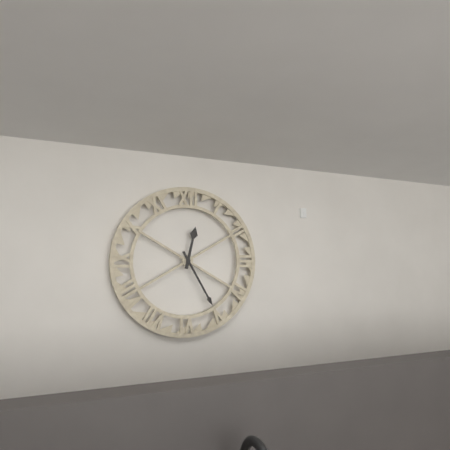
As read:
12,25
